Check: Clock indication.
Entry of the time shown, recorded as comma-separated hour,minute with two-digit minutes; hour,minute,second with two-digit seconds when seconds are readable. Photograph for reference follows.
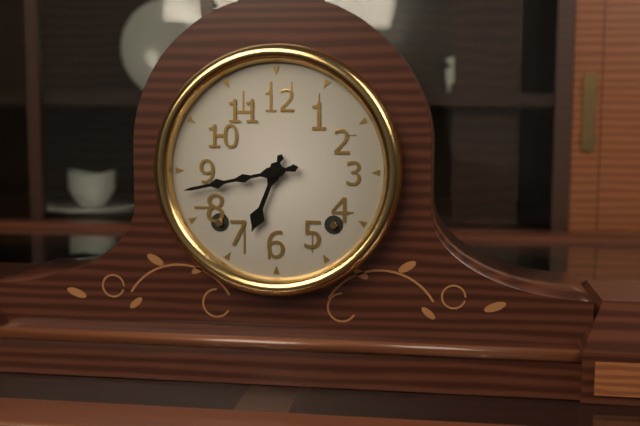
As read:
6,43
